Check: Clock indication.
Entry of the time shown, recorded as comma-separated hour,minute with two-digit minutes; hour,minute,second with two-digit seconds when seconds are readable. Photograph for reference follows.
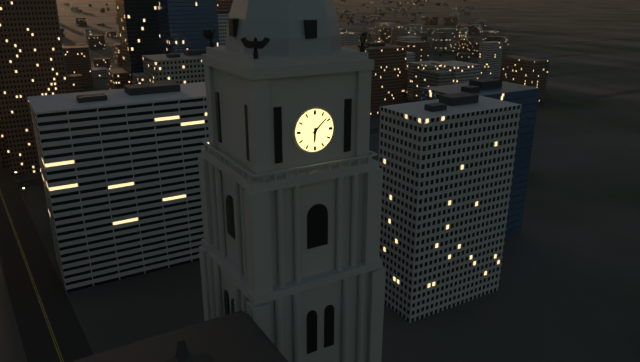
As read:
6,08
